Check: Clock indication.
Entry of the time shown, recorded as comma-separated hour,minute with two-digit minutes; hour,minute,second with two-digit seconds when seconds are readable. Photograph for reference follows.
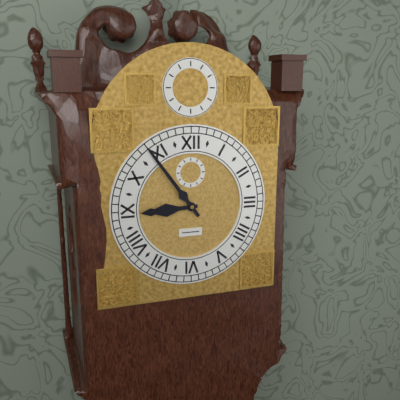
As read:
8,54
